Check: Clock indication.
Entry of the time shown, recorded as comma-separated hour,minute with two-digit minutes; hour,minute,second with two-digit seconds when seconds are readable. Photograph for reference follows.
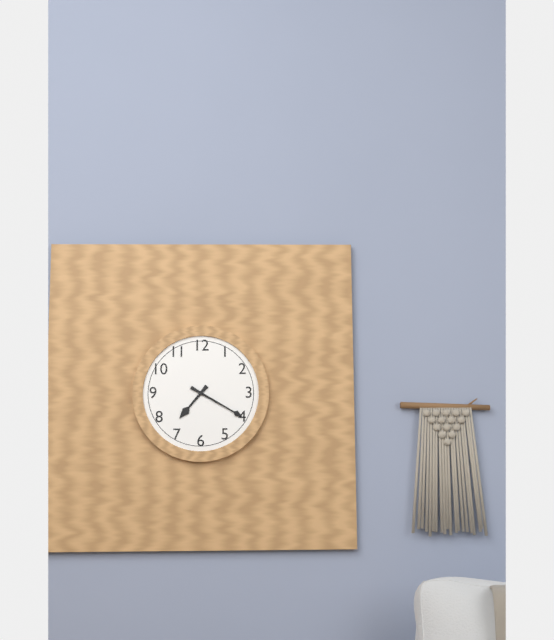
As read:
7,20
